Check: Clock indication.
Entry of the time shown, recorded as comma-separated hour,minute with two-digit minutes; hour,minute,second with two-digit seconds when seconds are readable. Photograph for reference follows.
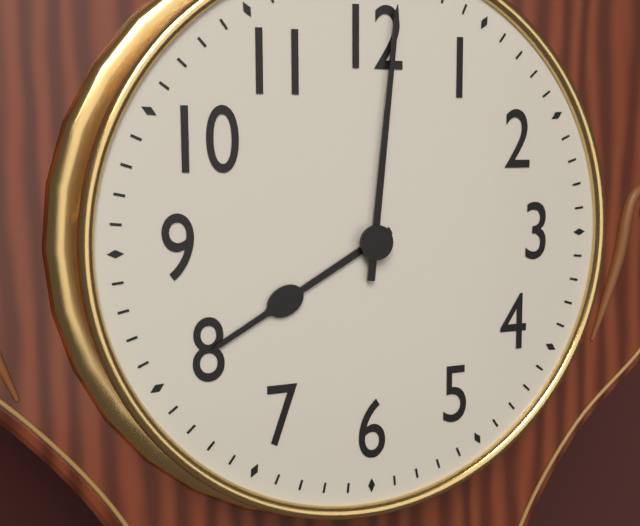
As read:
8,01
